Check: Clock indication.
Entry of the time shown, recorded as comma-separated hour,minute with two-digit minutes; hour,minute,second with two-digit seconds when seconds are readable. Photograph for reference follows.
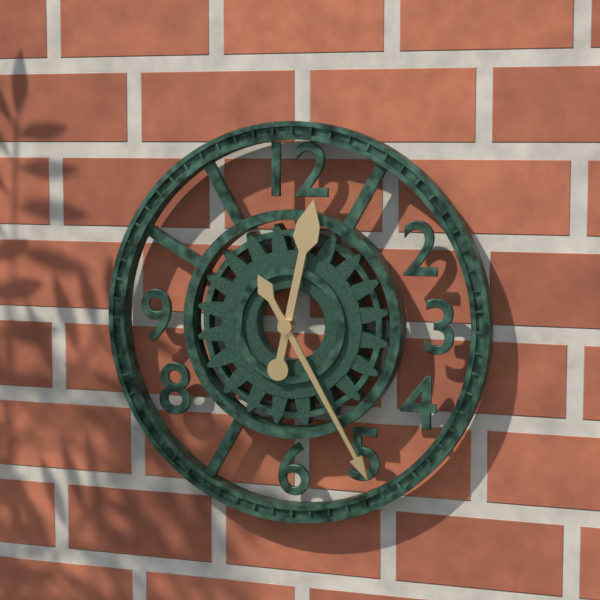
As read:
12,25
